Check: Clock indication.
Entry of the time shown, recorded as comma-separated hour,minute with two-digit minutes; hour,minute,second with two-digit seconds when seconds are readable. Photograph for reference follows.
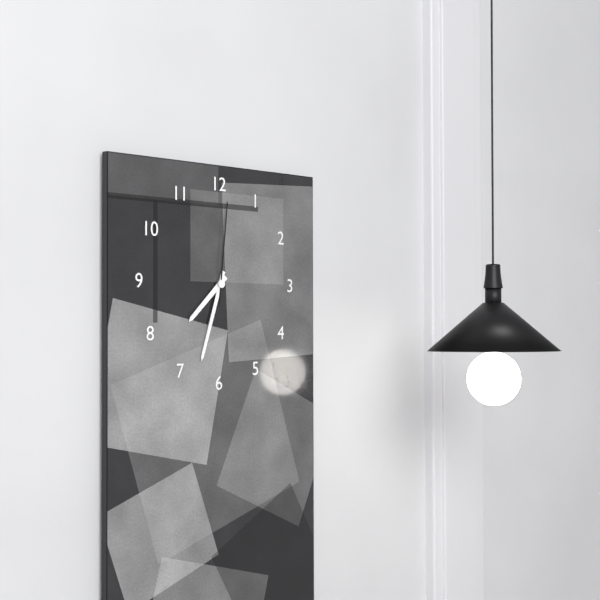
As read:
7,33,01
